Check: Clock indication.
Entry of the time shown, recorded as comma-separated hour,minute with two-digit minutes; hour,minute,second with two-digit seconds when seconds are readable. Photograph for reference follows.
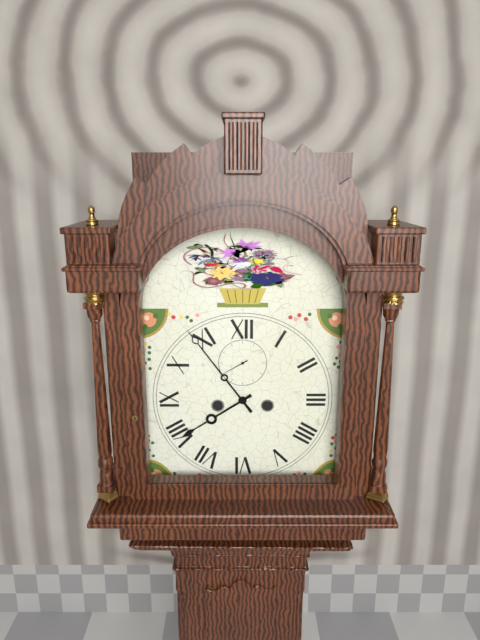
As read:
7,54
